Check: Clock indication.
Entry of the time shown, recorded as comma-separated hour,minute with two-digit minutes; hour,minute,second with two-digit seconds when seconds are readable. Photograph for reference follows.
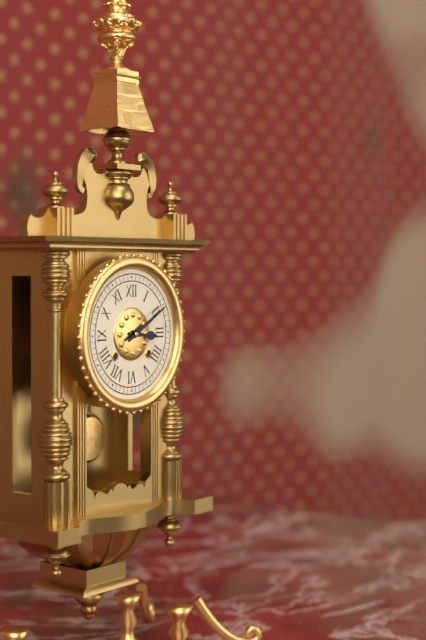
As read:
3,10
